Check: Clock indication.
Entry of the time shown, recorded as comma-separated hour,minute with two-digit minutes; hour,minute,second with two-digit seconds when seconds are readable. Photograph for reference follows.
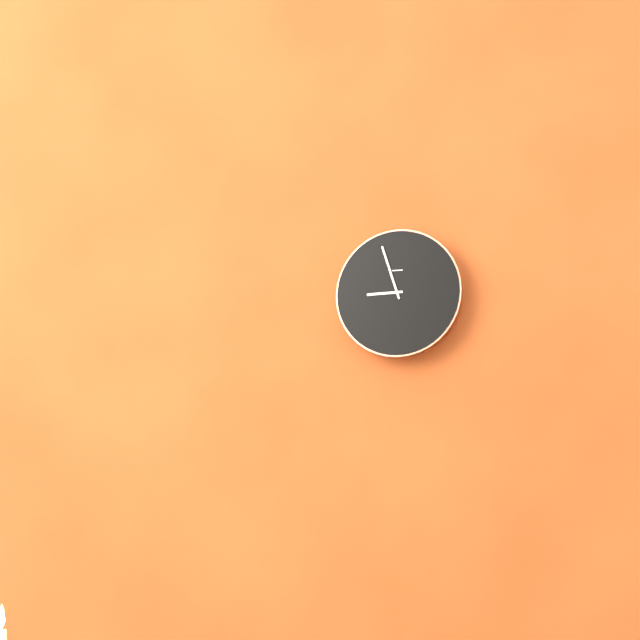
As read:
8,57
